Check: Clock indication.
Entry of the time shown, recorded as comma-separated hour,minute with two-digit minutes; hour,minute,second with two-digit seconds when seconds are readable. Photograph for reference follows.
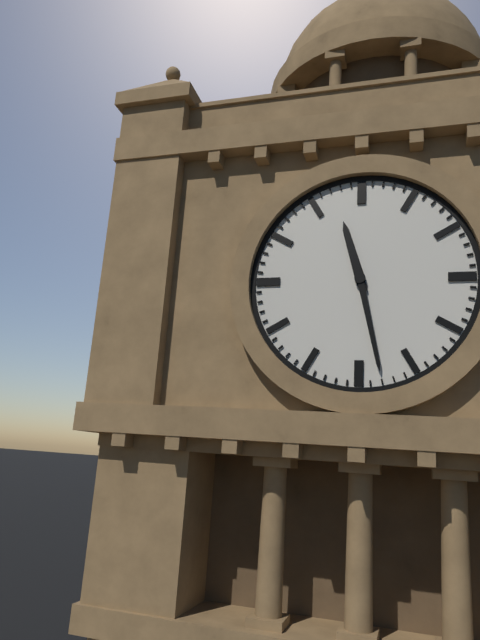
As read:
11,28
